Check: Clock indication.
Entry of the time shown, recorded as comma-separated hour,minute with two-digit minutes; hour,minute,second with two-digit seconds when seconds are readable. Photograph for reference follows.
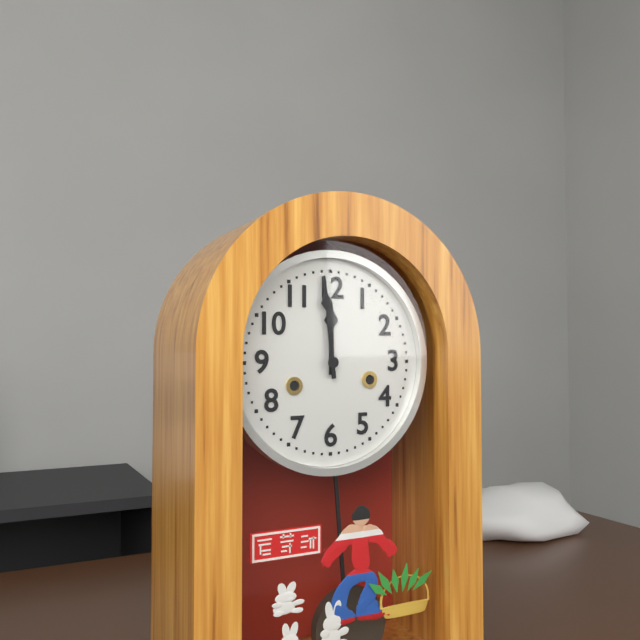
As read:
11,59
